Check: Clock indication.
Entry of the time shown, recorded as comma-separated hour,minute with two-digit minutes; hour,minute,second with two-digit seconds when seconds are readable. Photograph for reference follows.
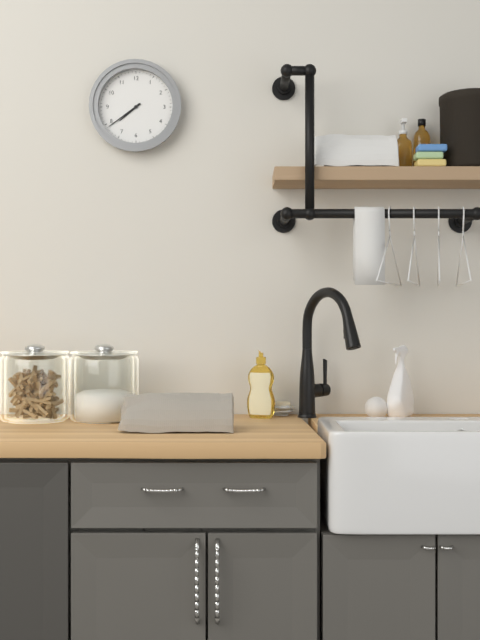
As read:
7,39
